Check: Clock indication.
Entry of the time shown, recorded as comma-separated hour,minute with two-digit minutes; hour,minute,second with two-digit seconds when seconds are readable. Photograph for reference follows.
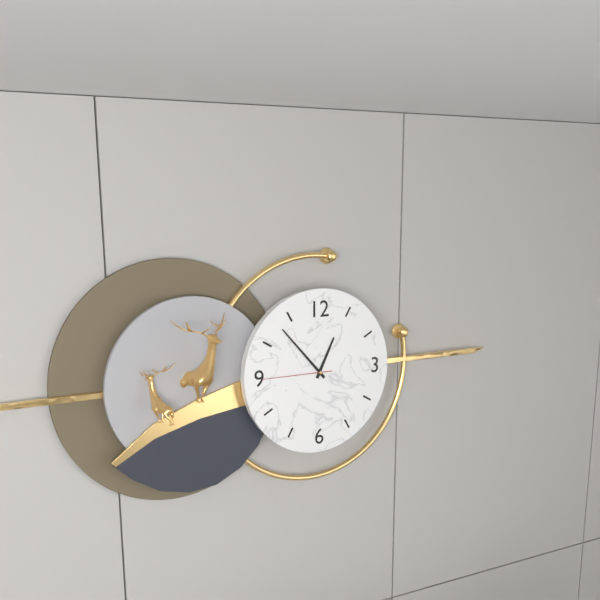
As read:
12,53,45
